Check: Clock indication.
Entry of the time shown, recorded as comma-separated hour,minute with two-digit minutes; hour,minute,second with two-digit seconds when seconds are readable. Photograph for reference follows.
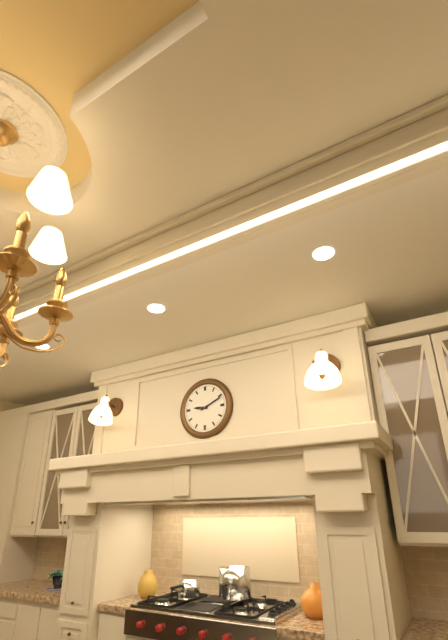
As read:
9,11
